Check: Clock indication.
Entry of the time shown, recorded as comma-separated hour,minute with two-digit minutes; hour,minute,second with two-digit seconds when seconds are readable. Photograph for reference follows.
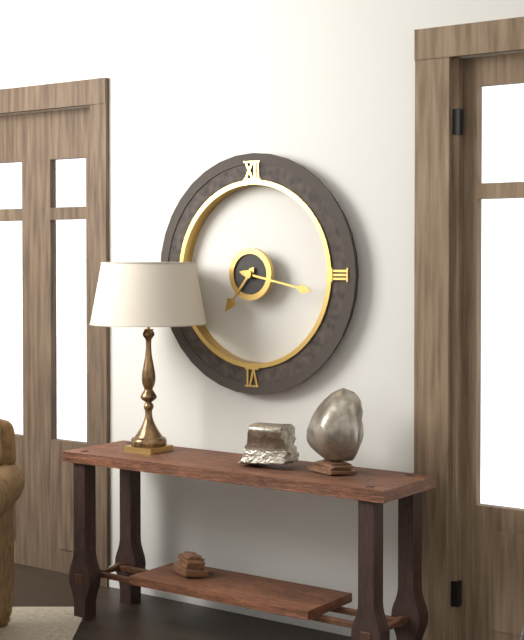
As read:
7,17
